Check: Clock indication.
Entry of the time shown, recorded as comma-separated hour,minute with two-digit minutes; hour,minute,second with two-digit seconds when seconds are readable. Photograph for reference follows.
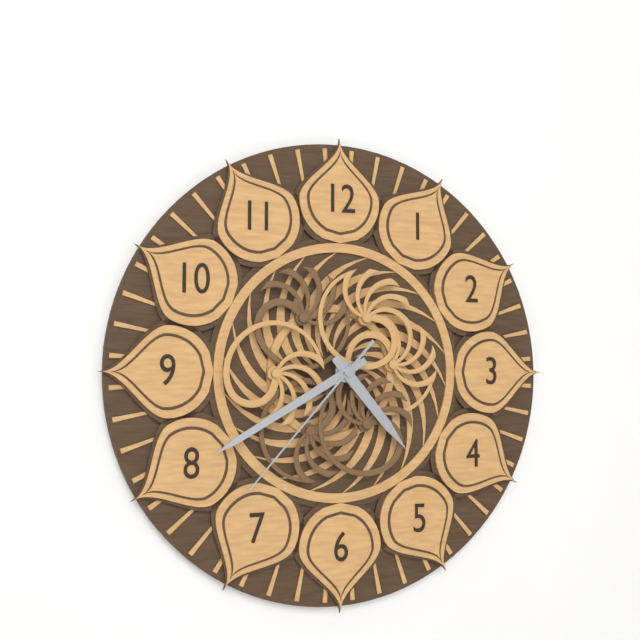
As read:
4,40,37
